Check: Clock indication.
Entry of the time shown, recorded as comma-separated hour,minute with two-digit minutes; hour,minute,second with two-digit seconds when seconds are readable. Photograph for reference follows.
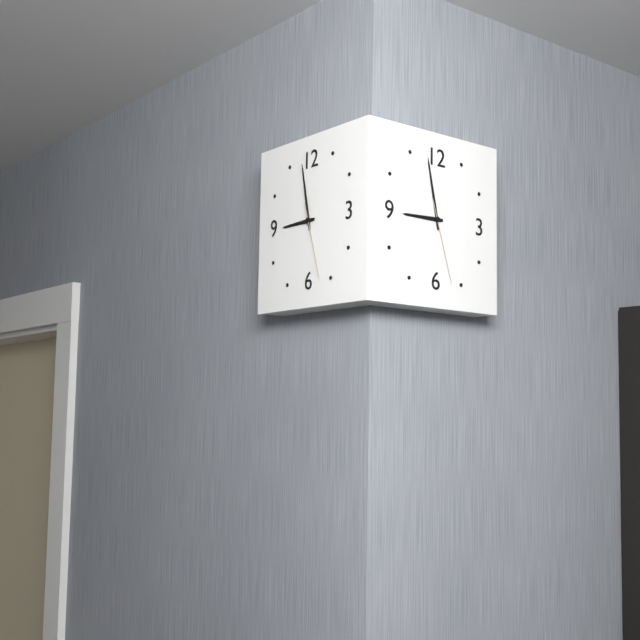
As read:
8,58,27
